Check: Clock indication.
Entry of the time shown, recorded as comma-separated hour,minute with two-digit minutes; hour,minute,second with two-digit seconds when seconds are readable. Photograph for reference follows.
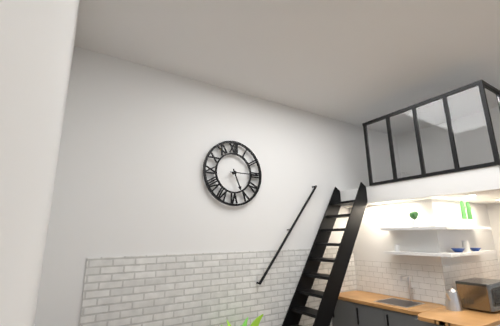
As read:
5,15
